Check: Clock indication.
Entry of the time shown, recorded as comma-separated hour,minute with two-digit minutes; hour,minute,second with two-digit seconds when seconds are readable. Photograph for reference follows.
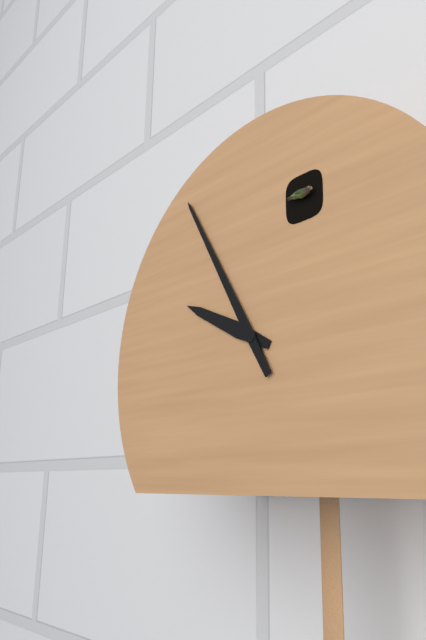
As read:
9,55
